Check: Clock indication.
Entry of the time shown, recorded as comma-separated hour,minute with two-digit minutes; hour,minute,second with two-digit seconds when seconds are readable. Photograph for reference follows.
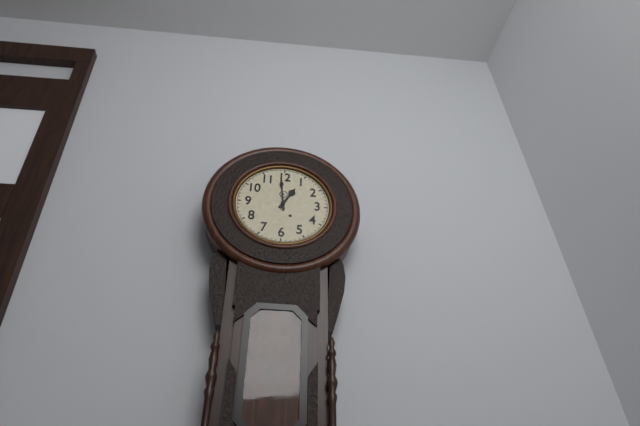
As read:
12,59
